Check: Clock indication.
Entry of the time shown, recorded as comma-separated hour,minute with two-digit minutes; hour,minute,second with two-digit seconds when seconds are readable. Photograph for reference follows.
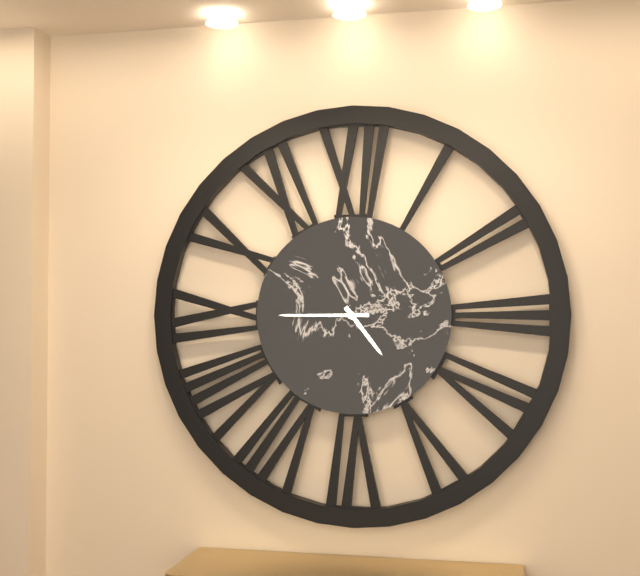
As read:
4,45
